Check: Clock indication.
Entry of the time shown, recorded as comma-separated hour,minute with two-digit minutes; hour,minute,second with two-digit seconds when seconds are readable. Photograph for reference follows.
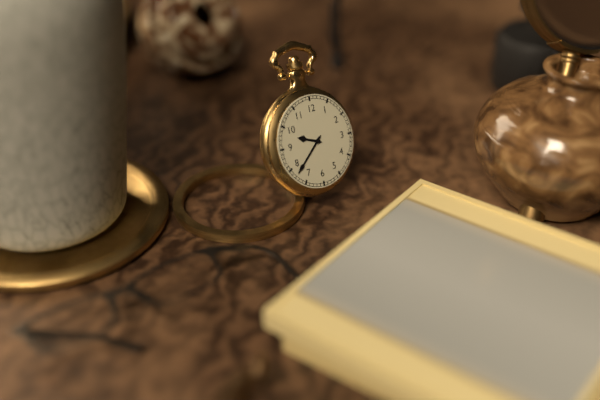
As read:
9,38
